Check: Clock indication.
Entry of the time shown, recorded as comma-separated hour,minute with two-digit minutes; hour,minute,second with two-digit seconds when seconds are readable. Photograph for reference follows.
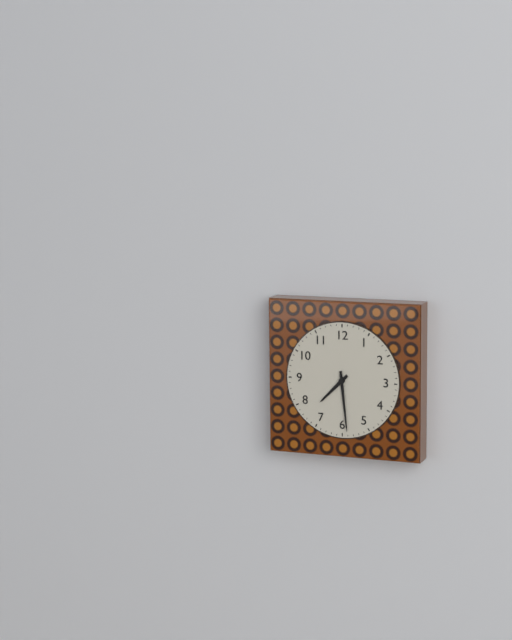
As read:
7,29
